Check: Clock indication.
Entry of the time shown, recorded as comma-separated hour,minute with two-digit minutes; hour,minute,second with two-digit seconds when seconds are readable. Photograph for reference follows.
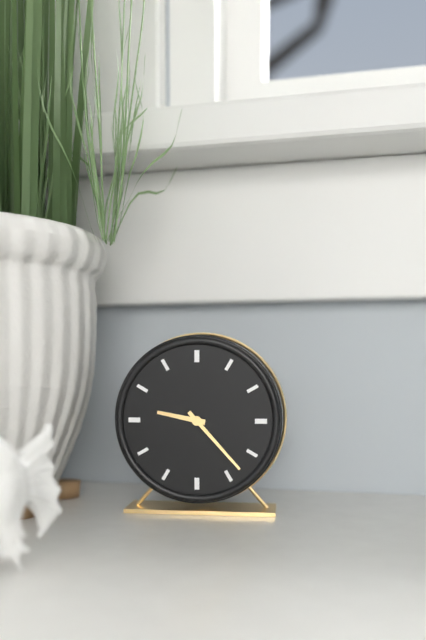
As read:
9,23
